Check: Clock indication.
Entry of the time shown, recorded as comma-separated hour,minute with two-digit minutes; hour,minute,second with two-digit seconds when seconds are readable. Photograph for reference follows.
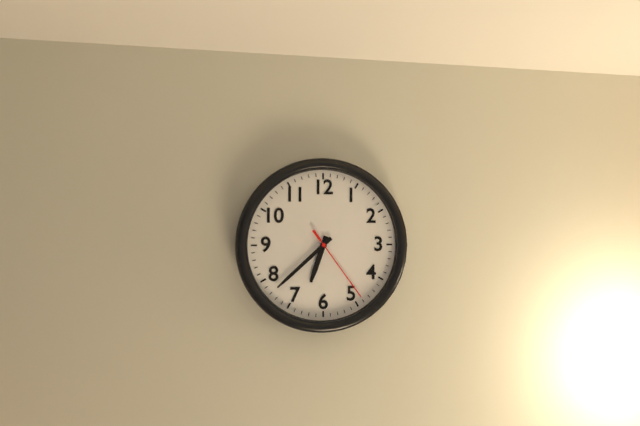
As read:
6,38,24
